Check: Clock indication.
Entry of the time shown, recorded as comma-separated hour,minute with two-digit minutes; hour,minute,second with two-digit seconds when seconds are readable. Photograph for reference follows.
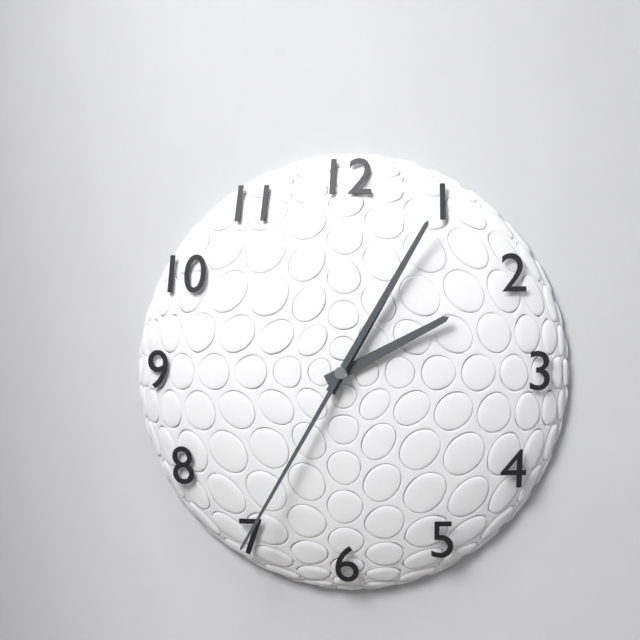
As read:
2,05,35
